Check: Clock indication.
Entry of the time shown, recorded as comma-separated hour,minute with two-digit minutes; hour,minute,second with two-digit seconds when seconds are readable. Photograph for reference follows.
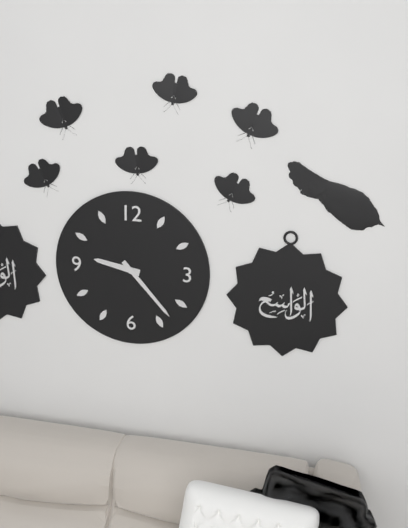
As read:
9,23
